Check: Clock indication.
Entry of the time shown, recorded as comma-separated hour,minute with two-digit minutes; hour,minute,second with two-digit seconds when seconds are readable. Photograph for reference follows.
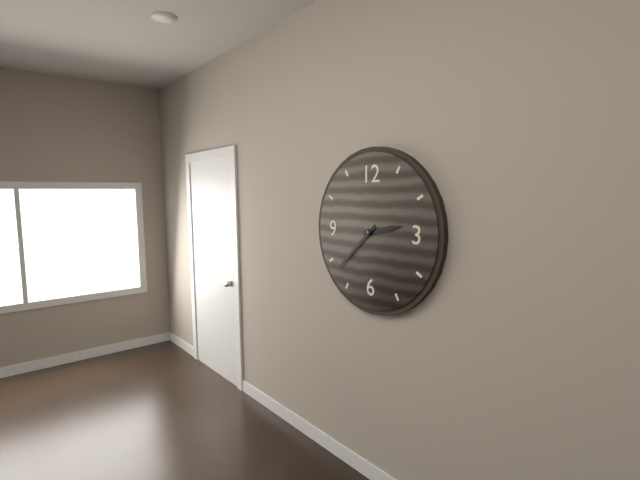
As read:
2,38
